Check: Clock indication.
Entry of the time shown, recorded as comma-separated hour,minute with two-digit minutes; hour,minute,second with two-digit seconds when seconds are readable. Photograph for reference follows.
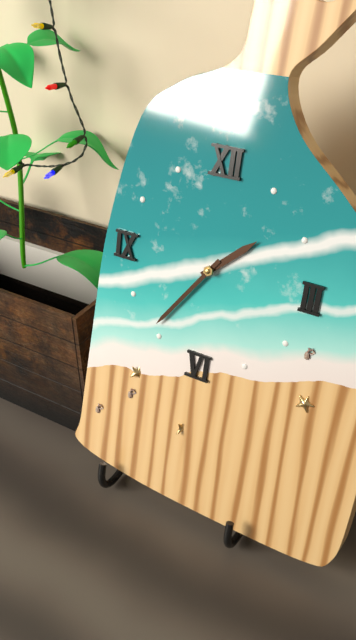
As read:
1,36
